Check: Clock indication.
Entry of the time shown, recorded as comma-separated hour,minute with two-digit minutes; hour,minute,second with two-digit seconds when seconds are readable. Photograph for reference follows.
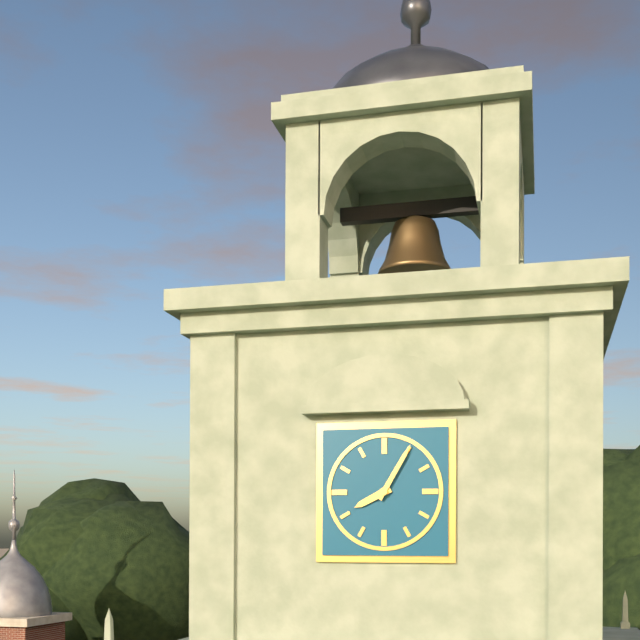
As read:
8,05
